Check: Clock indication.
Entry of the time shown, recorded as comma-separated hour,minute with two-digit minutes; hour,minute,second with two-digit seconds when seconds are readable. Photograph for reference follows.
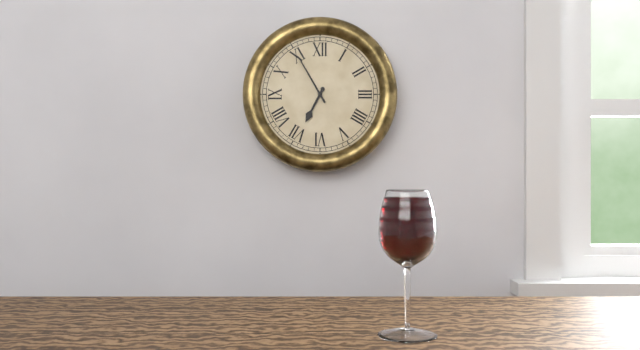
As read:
6,55
